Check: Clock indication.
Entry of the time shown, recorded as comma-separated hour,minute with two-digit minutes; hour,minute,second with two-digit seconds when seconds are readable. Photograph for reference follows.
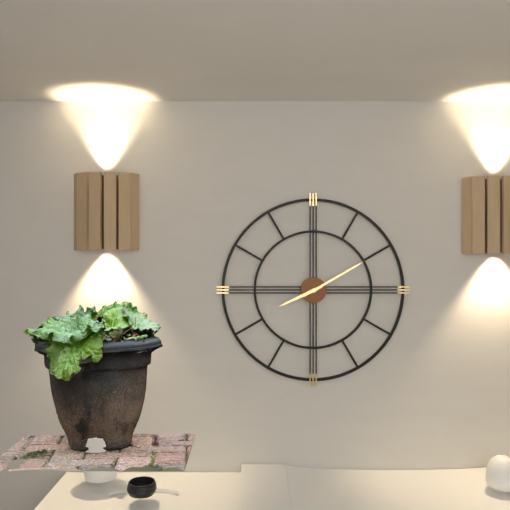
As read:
8,10
